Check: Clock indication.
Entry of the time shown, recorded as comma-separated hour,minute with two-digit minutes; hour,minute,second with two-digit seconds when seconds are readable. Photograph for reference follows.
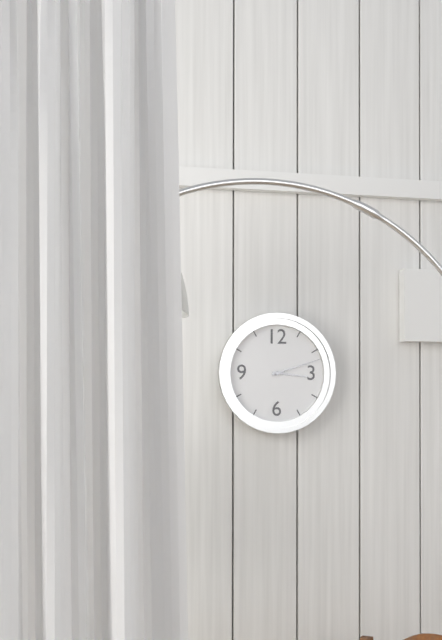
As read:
3,12
